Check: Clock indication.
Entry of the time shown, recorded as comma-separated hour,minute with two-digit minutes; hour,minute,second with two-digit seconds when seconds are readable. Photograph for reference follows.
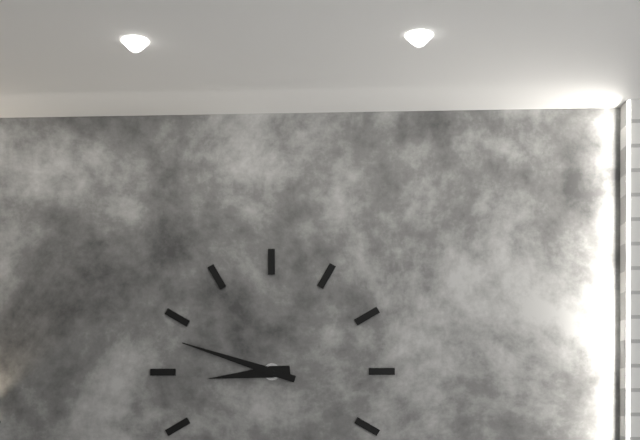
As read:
8,48
